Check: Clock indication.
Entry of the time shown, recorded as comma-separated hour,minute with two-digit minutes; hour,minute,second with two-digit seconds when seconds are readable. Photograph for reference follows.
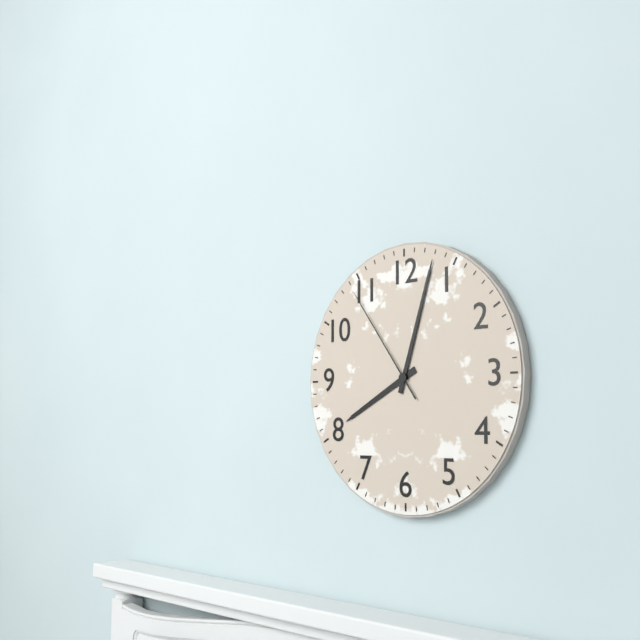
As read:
8,03,54
